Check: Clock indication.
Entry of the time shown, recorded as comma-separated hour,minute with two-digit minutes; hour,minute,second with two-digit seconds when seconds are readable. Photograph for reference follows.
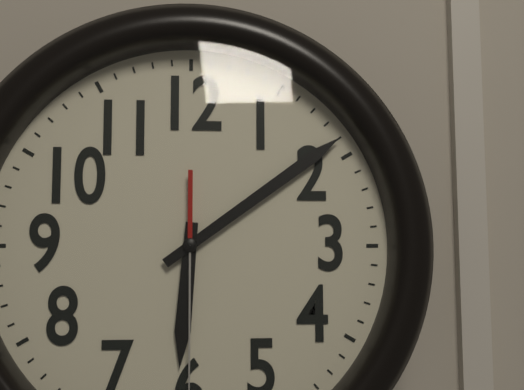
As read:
6,09
